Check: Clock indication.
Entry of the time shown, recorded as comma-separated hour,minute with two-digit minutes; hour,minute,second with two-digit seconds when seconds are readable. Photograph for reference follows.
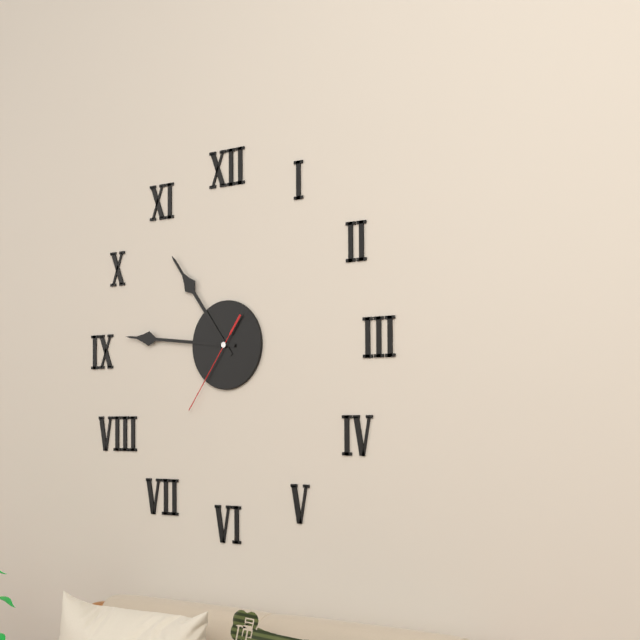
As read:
10,46,36
